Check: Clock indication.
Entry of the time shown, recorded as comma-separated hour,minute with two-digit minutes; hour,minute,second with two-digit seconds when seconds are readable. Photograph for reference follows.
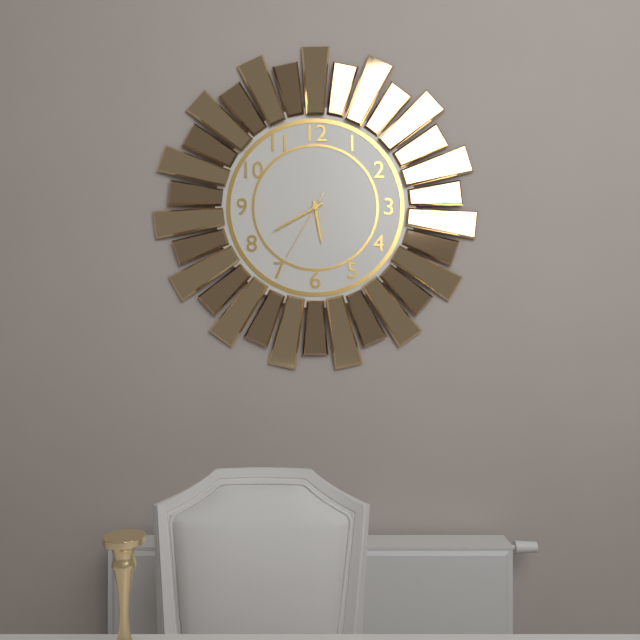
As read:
5,40,35
